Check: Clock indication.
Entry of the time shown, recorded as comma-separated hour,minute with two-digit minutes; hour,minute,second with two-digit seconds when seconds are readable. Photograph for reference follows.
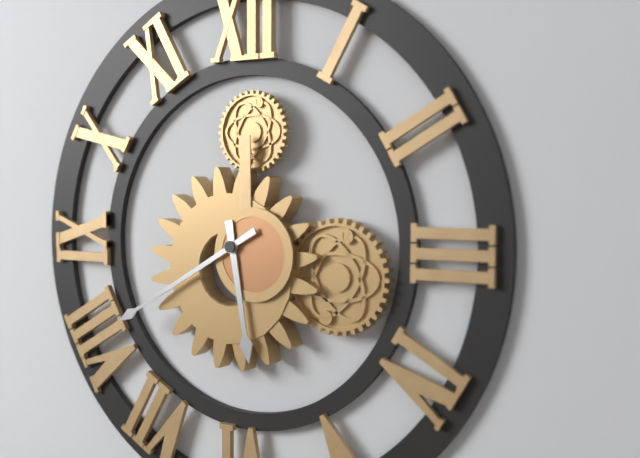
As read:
5,40
